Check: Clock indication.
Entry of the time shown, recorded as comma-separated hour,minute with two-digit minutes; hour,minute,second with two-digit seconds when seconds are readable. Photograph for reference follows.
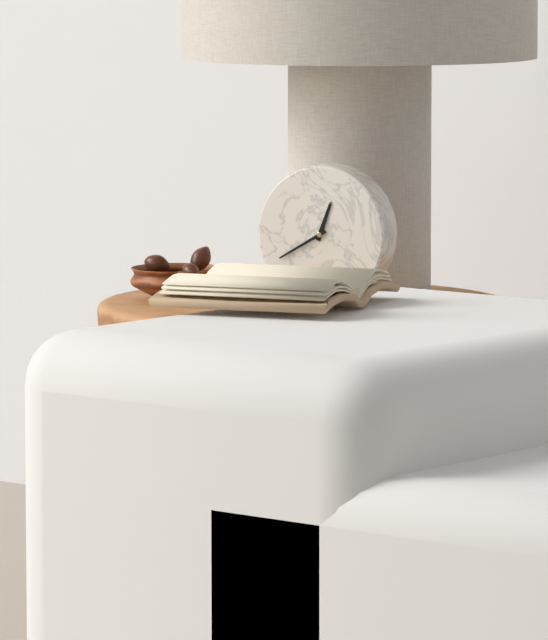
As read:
12,40
